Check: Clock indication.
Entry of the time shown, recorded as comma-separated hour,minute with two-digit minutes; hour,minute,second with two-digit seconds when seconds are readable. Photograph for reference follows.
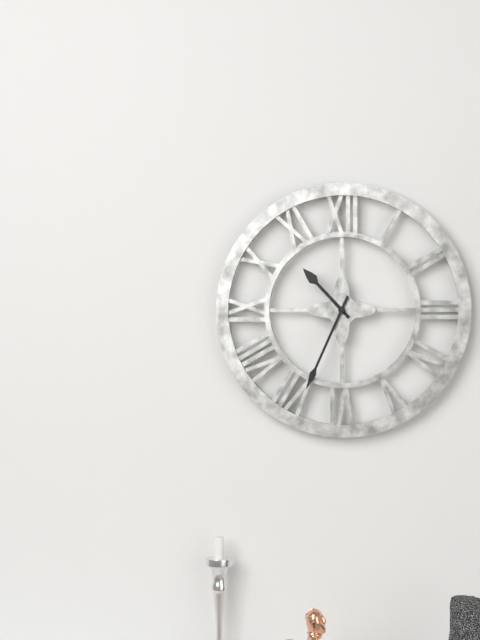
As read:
10,34
